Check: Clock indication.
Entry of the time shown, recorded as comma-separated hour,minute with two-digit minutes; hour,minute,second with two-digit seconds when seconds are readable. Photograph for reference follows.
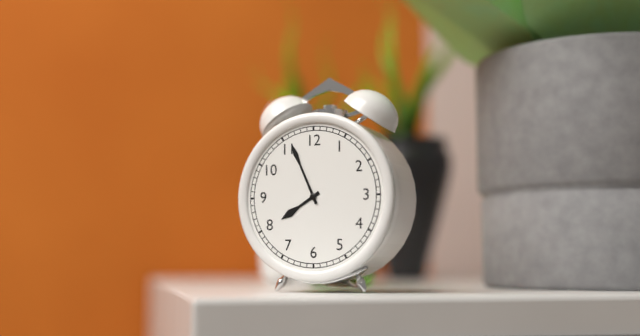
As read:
7,56
